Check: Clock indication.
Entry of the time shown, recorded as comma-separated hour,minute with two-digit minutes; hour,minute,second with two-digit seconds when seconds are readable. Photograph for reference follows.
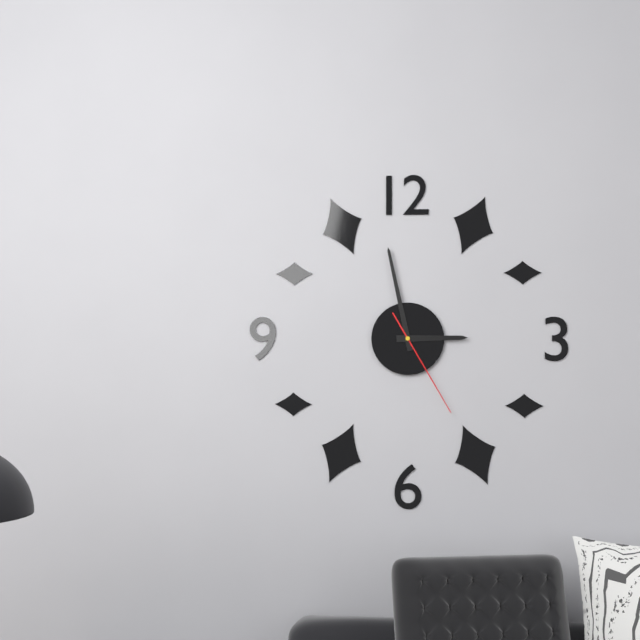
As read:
2,58,25
